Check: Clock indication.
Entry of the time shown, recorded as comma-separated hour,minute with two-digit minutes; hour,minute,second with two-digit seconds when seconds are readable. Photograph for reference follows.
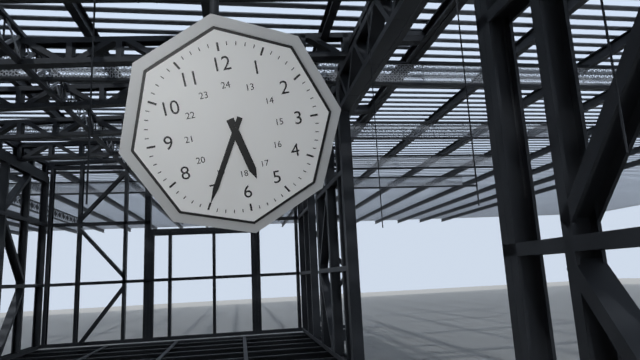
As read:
5,35
